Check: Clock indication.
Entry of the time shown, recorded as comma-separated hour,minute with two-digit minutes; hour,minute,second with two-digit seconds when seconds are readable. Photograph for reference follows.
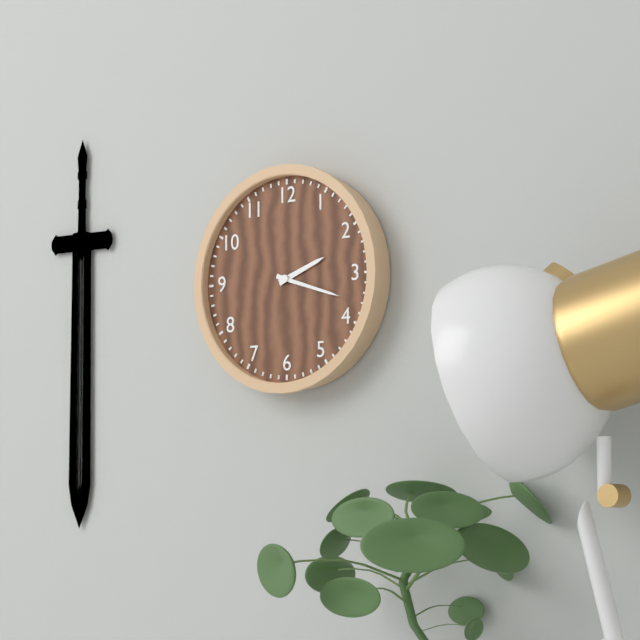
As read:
2,18
